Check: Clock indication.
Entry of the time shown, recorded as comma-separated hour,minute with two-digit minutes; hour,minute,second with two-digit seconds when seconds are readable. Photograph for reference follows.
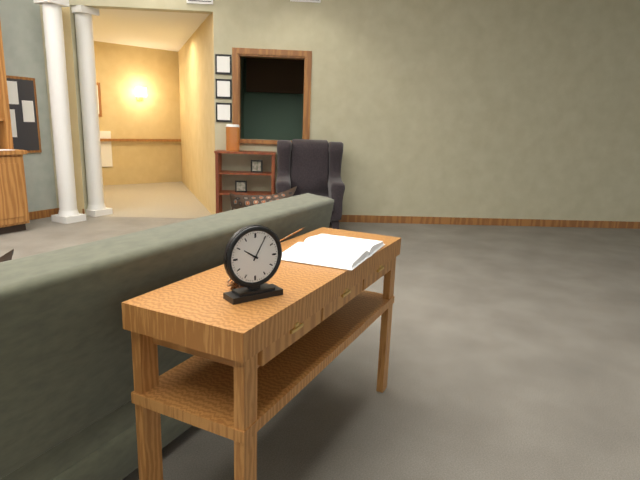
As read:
10,05
